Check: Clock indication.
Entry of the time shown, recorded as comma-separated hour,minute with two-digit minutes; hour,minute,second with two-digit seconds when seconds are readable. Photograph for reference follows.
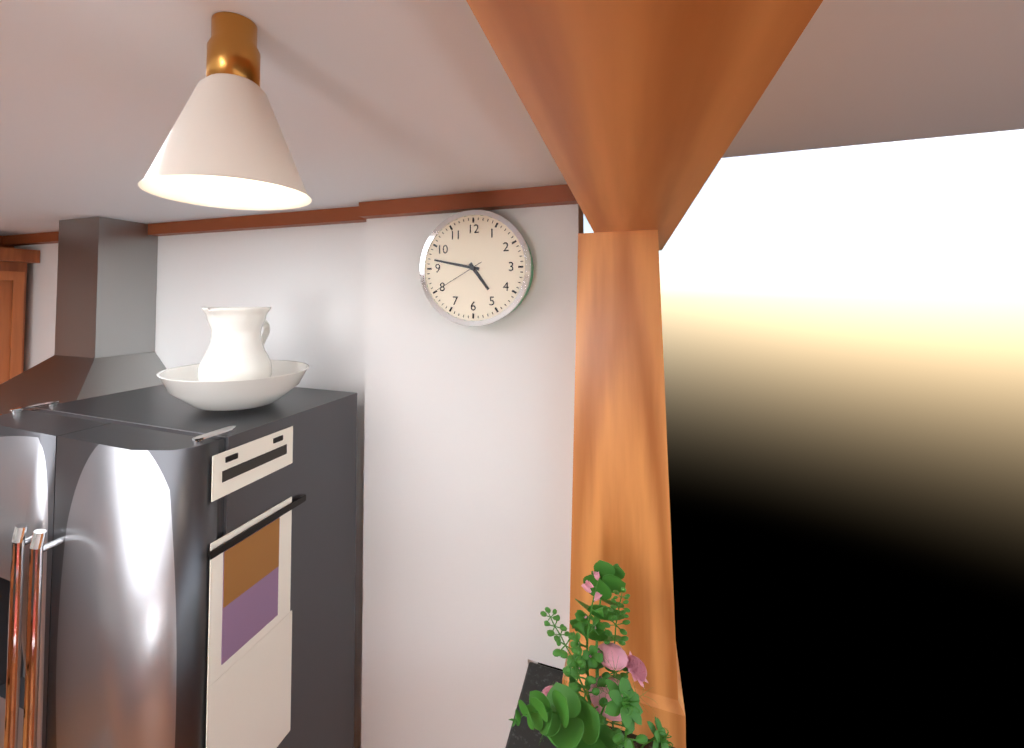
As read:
4,47,40
